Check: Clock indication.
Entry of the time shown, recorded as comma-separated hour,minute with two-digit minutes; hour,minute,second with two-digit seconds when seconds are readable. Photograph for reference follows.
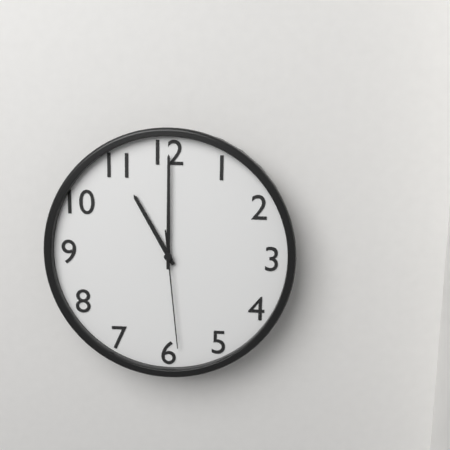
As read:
11,00,29
